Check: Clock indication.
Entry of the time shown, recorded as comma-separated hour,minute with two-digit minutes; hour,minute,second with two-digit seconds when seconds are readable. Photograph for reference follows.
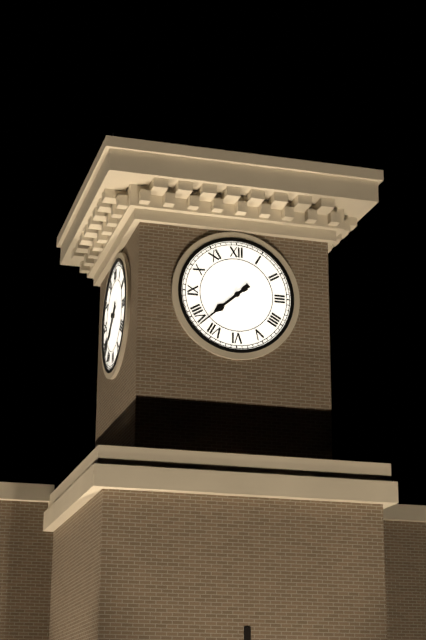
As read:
7,38
